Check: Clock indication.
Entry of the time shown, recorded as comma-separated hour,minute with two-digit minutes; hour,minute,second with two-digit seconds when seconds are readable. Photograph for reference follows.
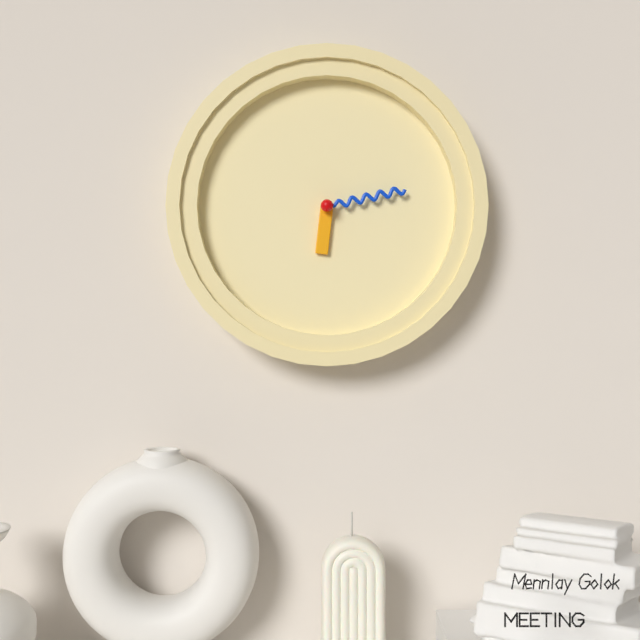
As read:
6,13
